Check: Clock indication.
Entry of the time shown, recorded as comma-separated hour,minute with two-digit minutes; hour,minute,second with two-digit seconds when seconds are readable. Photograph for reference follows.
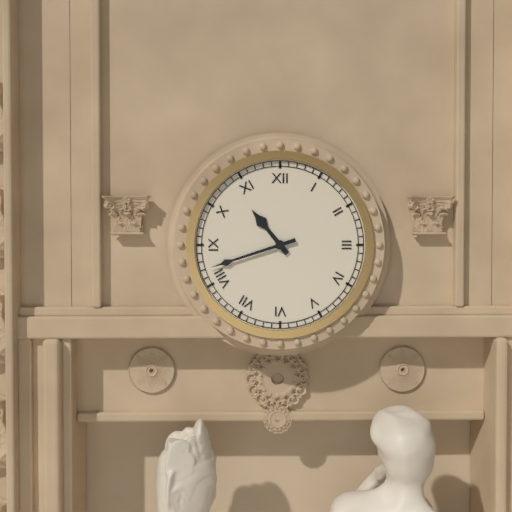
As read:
10,42
